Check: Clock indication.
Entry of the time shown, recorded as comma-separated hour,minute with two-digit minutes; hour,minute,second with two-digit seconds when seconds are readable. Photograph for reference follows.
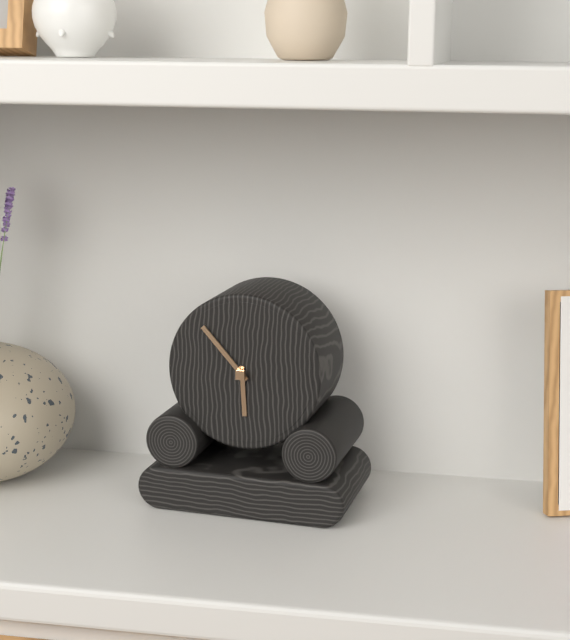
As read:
5,53
